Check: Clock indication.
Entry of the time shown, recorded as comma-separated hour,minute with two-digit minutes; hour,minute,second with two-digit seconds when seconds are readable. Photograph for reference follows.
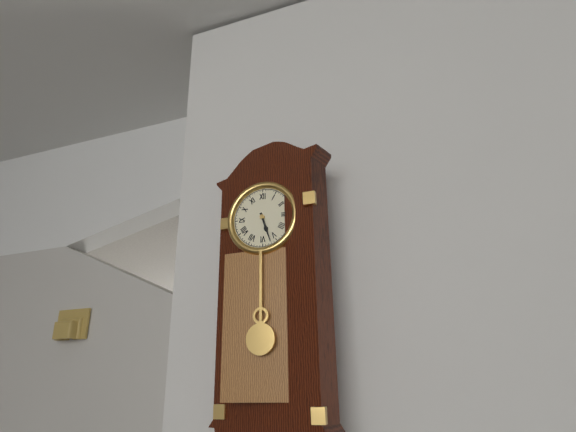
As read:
5,27
